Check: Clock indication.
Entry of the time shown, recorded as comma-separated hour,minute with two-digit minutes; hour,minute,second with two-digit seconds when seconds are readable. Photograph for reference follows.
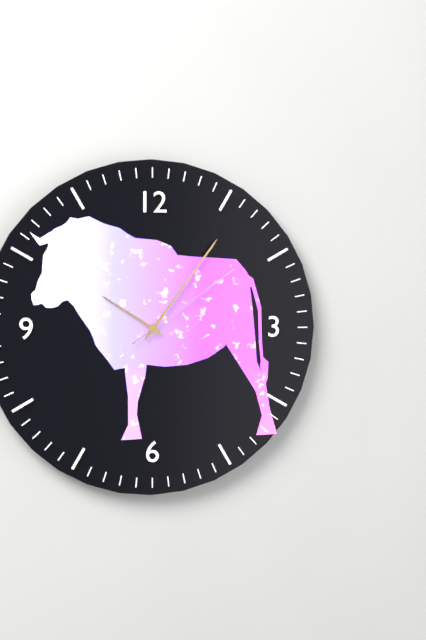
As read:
10,06,09
